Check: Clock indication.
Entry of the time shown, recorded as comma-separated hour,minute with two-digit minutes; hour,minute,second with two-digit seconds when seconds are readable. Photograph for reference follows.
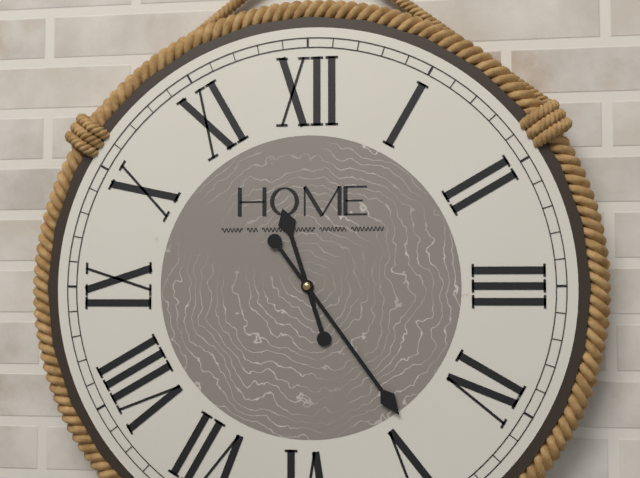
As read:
11,24
